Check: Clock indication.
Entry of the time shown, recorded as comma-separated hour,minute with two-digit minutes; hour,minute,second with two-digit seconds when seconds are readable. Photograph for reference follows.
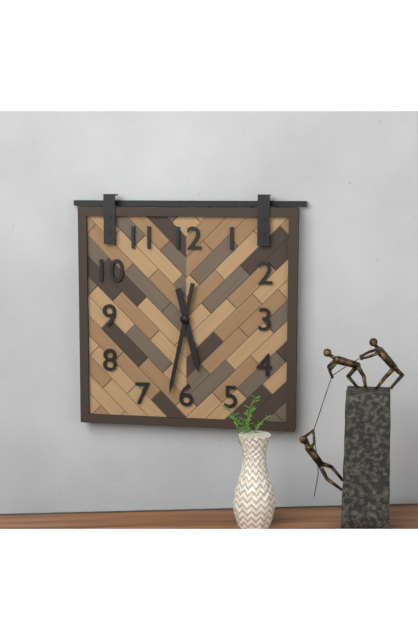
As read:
5,32
